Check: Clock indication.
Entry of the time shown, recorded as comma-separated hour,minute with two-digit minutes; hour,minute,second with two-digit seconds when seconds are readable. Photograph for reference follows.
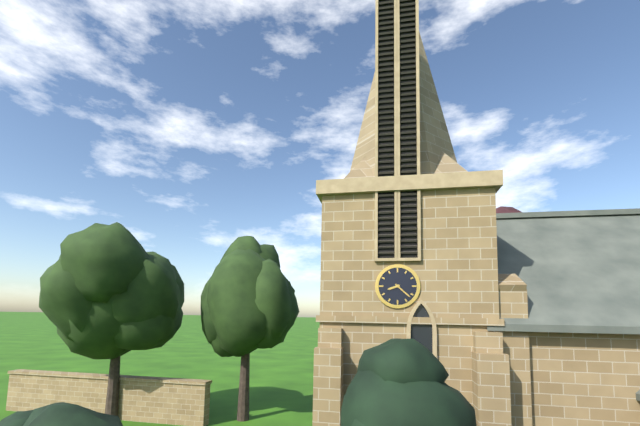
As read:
8,22
